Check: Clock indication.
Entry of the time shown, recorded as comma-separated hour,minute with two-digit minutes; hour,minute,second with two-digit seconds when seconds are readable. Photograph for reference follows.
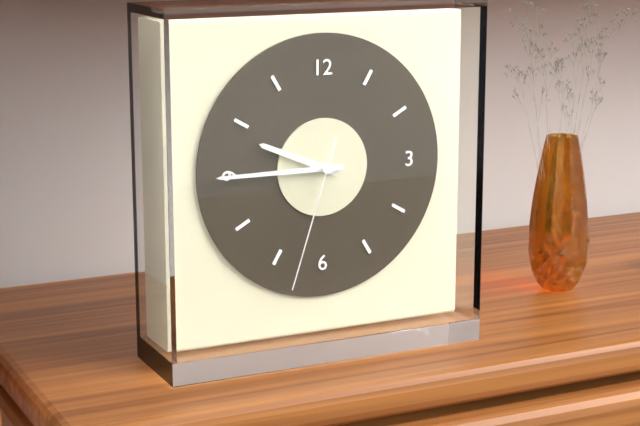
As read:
9,45,33
